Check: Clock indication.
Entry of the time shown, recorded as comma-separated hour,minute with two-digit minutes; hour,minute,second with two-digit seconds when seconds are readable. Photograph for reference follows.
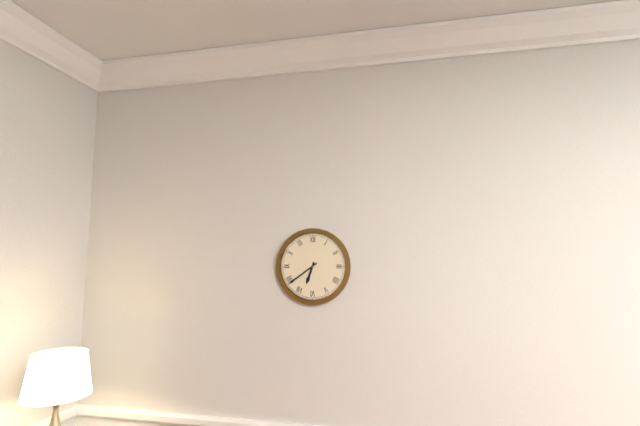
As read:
6,39
